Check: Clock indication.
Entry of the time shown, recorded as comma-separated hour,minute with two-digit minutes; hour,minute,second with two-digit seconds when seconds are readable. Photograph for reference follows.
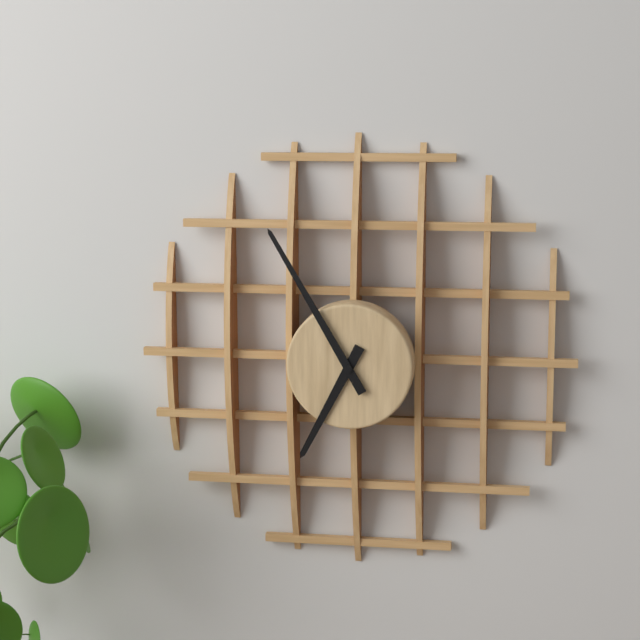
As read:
6,55
